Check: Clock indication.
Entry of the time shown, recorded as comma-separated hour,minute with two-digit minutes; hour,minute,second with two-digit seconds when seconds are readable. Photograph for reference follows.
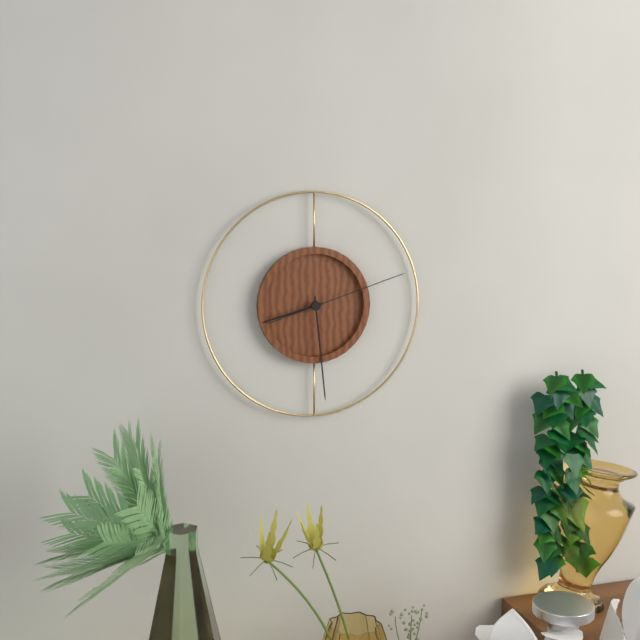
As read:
8,29,12
